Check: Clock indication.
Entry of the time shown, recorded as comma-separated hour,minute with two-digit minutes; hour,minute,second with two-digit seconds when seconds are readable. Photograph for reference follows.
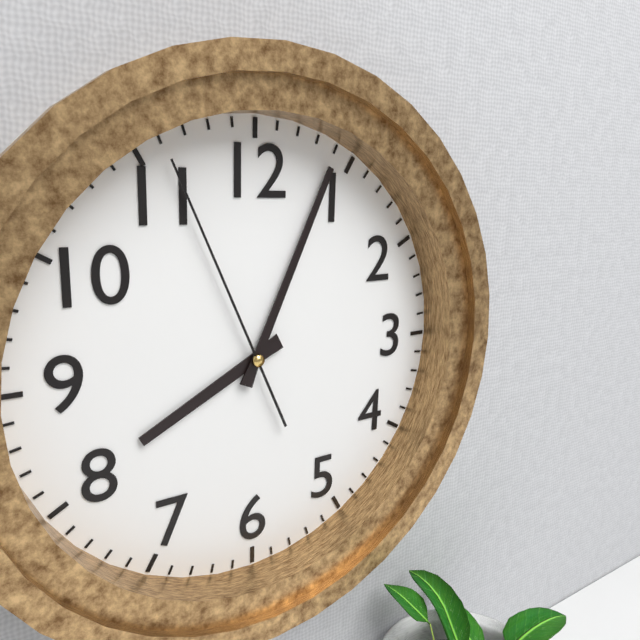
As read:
8,04,56
